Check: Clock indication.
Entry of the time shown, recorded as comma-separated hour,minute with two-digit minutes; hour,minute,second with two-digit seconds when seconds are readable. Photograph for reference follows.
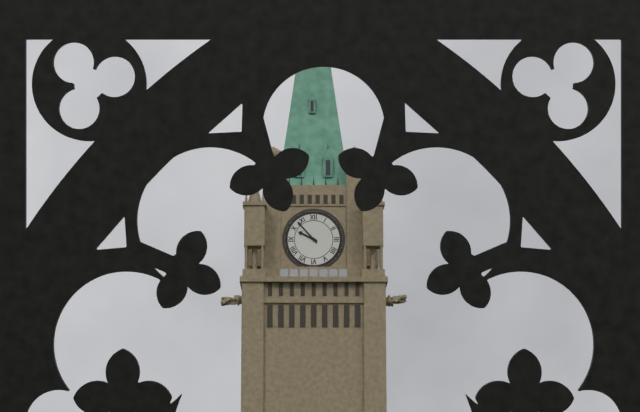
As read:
9,53
